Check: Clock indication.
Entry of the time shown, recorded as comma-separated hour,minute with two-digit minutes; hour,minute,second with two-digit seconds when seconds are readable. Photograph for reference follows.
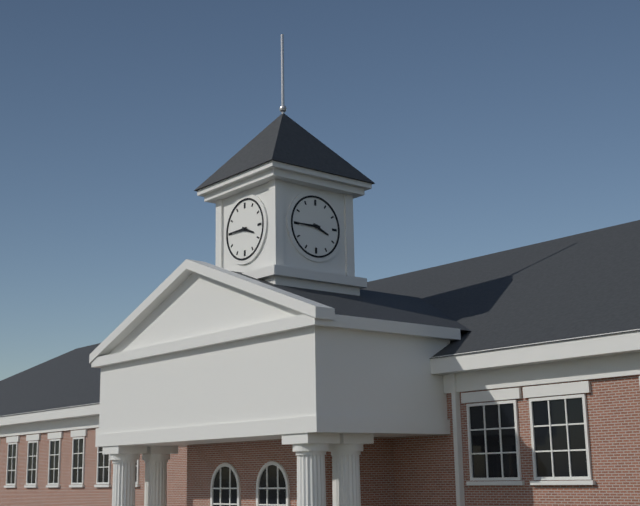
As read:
3,45
